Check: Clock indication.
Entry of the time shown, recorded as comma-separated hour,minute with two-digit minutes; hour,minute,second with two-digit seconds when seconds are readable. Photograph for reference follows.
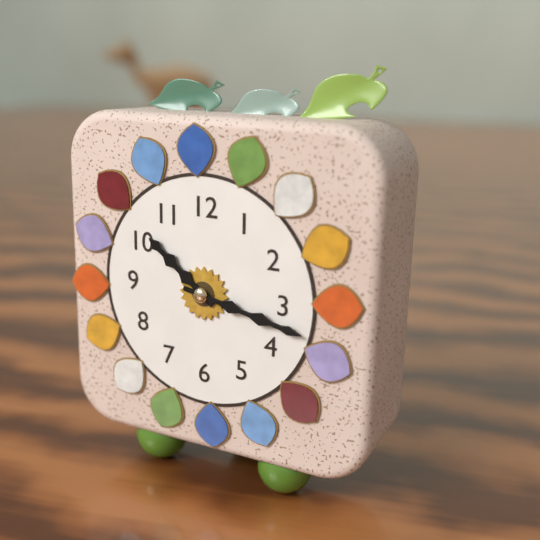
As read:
10,17
